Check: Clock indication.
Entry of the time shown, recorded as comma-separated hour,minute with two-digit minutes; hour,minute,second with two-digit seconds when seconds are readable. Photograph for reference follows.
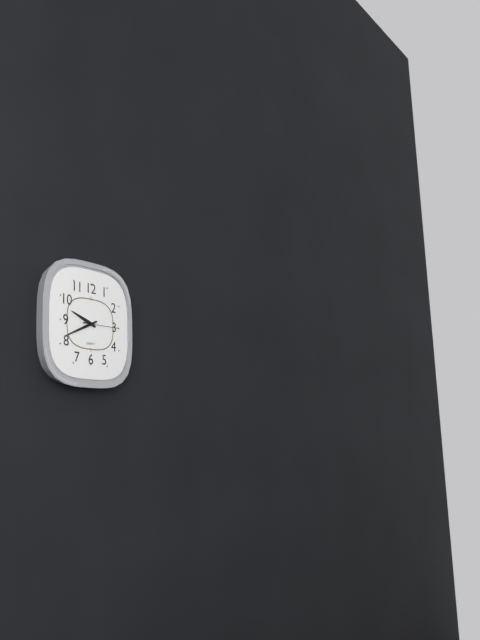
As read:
9,41
